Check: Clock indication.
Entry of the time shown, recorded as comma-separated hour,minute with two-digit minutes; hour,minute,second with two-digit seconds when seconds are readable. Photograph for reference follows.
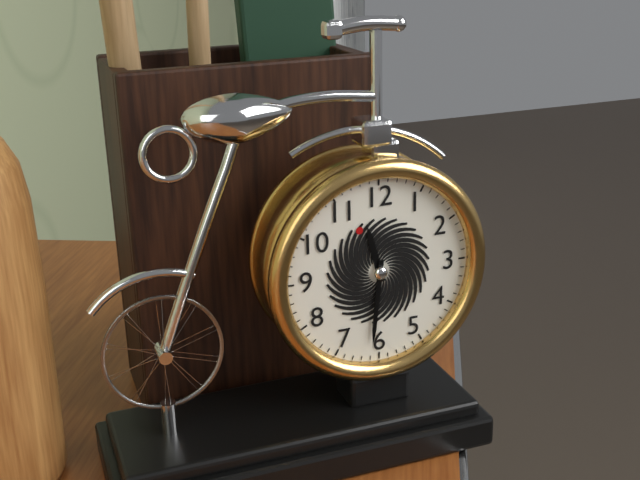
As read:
11,31
